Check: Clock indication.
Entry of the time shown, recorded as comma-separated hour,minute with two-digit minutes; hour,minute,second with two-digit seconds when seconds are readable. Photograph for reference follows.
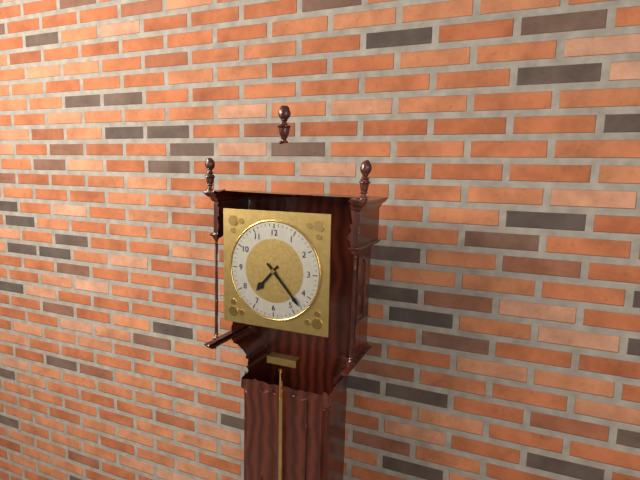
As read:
7,23
